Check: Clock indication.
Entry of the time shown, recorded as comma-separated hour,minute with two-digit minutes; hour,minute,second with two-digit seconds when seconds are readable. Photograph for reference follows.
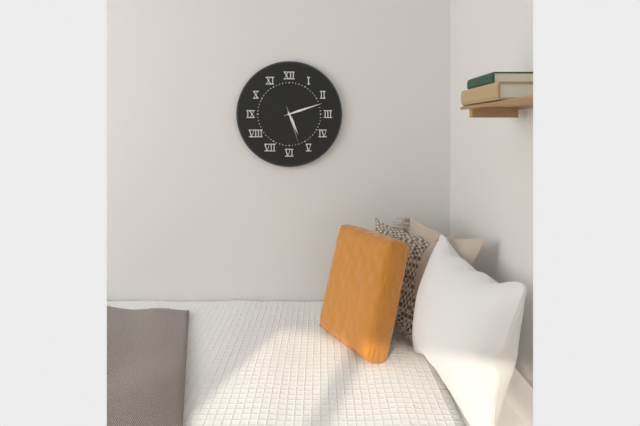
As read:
5,12
